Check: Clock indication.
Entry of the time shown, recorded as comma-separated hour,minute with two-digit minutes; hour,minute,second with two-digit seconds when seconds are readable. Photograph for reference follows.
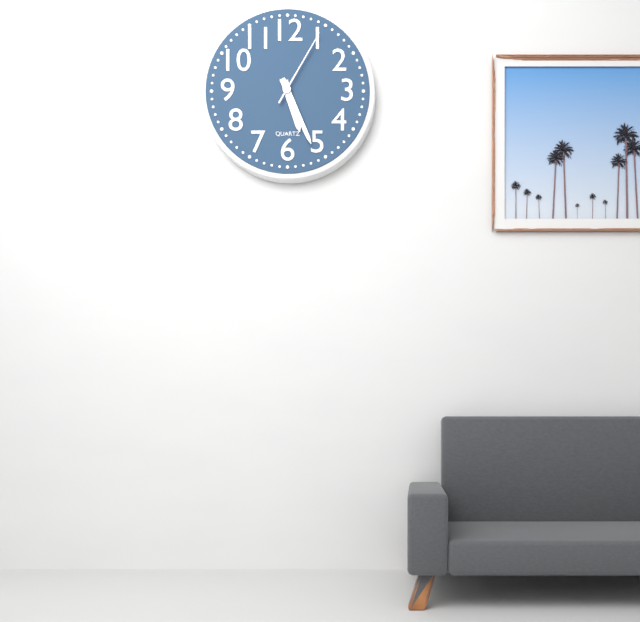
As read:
5,26,05
